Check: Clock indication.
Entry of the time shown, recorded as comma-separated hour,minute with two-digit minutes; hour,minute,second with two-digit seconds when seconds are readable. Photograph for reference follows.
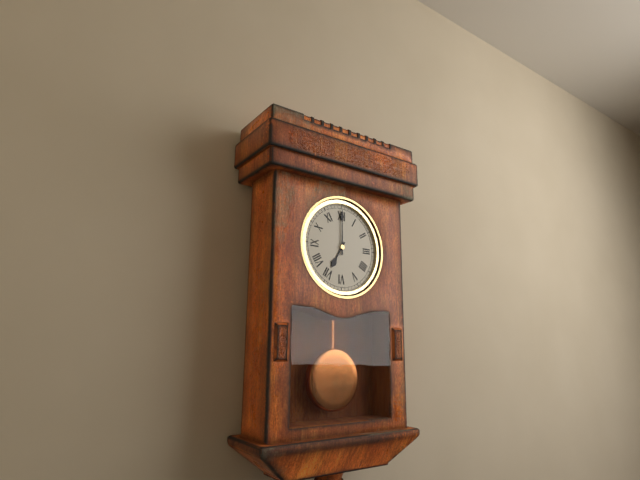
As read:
7,00
